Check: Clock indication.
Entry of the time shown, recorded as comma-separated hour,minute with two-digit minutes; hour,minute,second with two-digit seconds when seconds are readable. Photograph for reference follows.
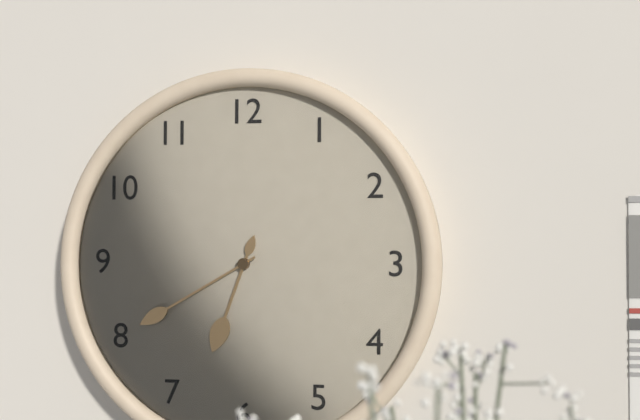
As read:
6,40
